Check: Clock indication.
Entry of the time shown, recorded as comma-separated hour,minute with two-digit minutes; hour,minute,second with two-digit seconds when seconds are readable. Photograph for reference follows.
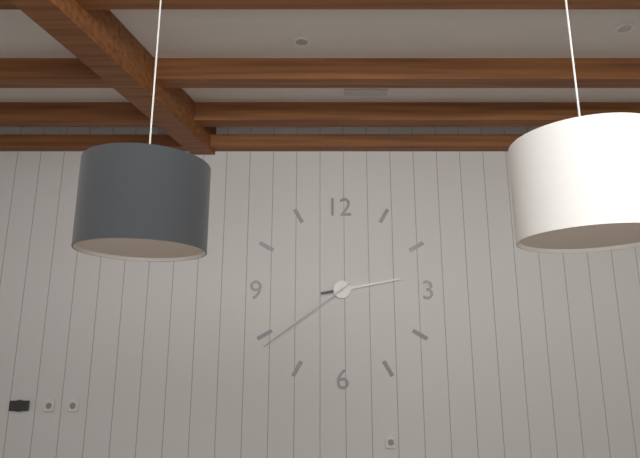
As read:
2,39
